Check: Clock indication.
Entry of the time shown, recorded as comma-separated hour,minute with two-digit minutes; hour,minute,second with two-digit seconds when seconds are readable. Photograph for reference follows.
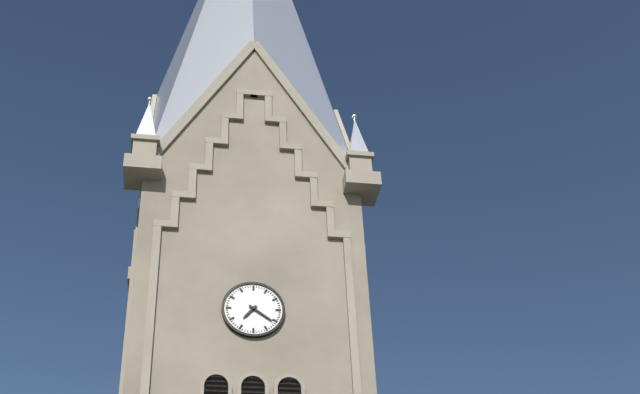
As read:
7,21
